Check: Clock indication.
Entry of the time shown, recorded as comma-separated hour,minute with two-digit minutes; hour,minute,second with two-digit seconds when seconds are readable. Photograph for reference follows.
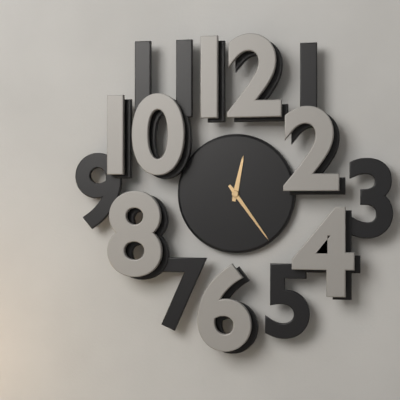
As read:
12,24
